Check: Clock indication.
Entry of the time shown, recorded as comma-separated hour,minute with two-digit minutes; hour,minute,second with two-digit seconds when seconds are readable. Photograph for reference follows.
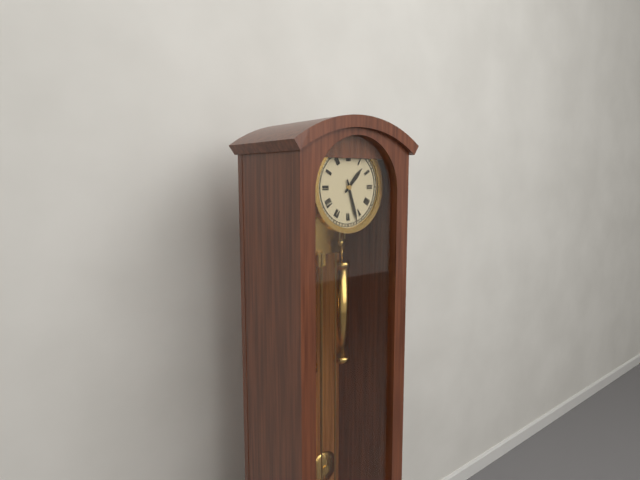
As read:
1,27
